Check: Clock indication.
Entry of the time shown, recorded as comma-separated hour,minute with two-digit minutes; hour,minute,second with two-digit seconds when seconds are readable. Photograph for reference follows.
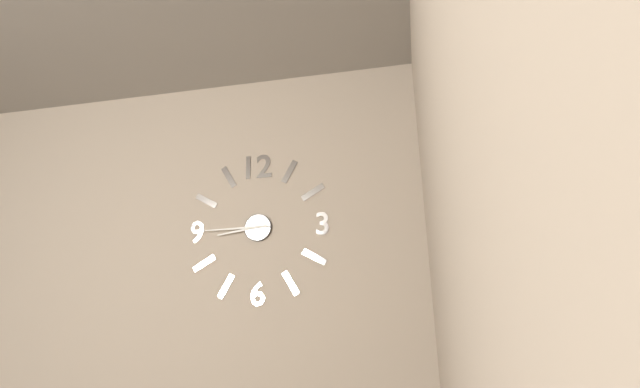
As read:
8,45
